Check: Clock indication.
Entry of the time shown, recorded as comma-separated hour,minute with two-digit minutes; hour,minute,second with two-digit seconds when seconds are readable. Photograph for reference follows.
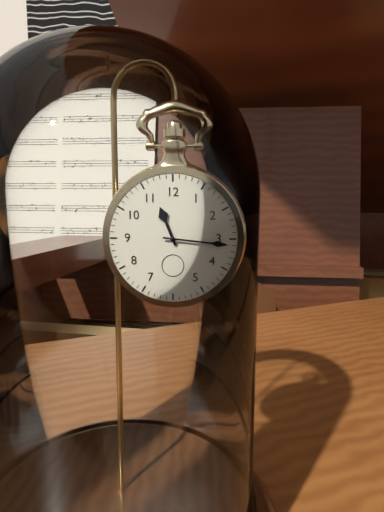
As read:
11,16
